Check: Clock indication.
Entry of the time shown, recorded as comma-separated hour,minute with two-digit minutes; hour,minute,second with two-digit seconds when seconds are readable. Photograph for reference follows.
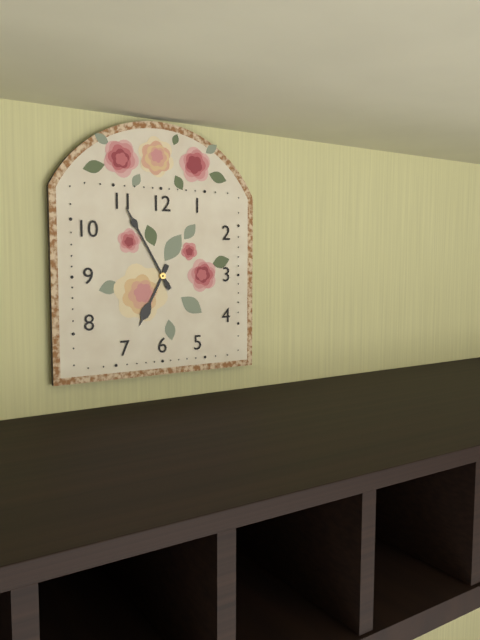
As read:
6,55
